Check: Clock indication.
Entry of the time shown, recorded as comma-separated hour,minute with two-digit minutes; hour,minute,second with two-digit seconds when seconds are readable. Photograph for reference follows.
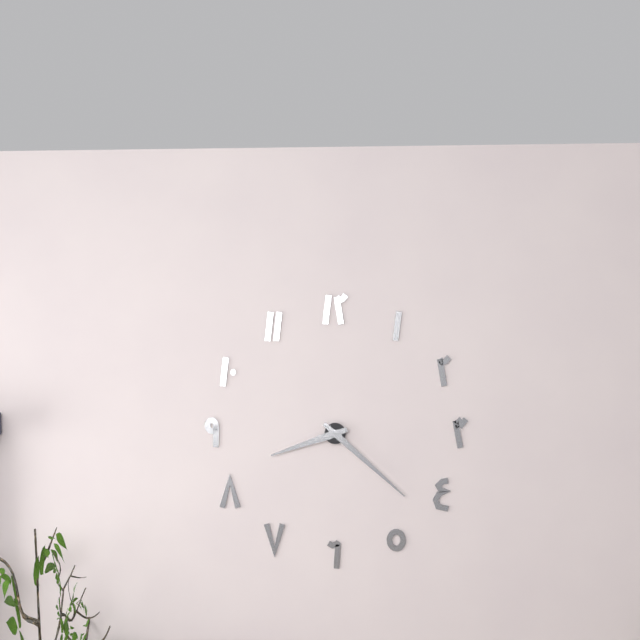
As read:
8,22
